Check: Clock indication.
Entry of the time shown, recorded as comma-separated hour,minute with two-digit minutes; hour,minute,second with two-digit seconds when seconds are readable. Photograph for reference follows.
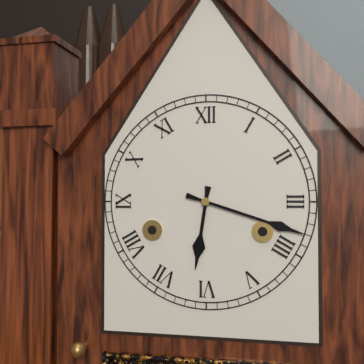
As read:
6,18
